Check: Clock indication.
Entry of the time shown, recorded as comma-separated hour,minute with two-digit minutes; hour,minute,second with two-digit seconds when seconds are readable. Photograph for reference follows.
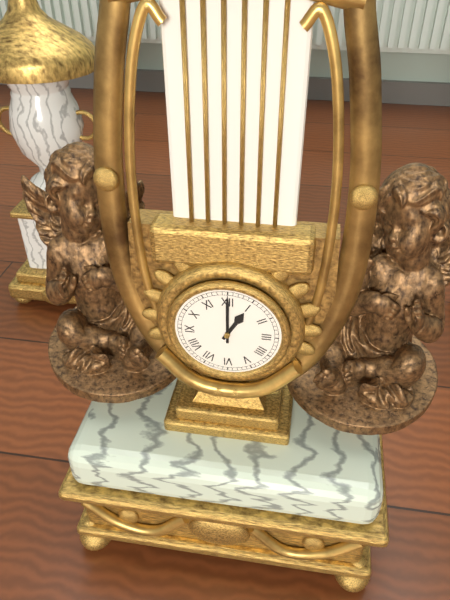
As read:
1,00
